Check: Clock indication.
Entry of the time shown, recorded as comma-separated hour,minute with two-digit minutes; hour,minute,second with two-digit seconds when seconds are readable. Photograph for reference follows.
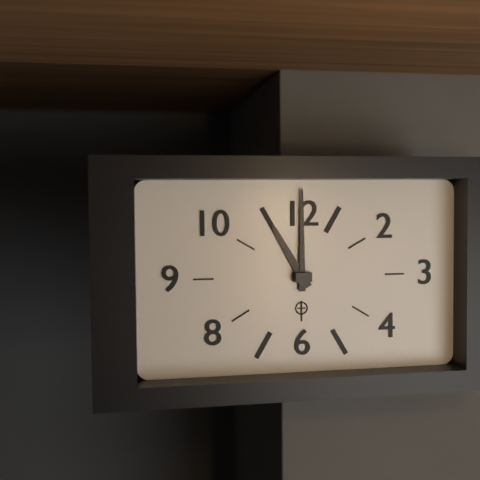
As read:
11,00
